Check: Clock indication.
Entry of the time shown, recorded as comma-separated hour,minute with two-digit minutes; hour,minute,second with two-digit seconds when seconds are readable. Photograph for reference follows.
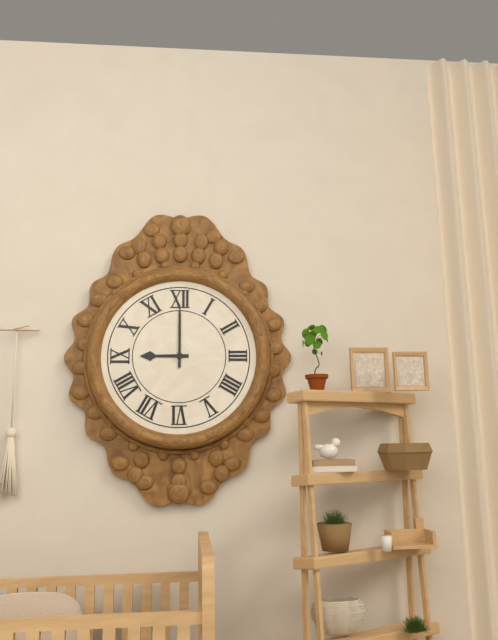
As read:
9,00
